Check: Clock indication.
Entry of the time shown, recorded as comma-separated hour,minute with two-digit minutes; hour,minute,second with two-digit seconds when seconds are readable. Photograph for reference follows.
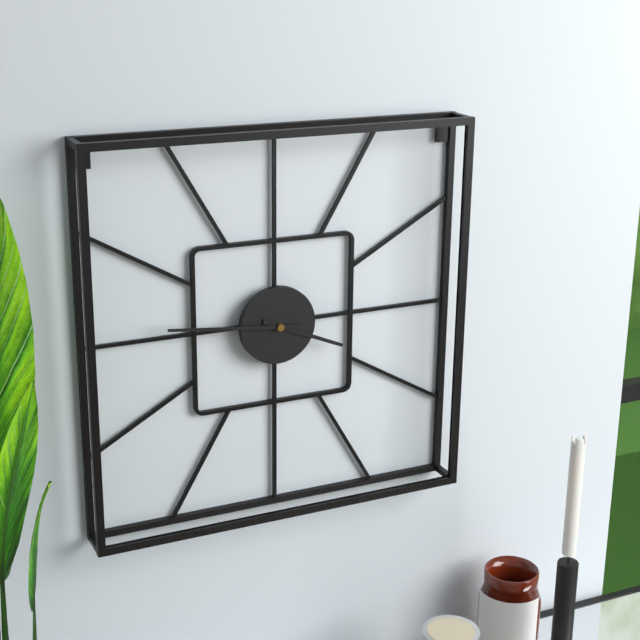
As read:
3,46
